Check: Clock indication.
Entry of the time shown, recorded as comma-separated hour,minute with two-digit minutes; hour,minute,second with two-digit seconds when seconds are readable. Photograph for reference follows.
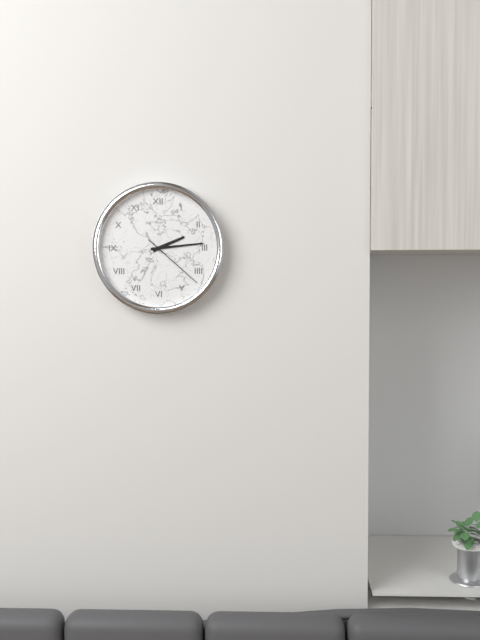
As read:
2,14,22
